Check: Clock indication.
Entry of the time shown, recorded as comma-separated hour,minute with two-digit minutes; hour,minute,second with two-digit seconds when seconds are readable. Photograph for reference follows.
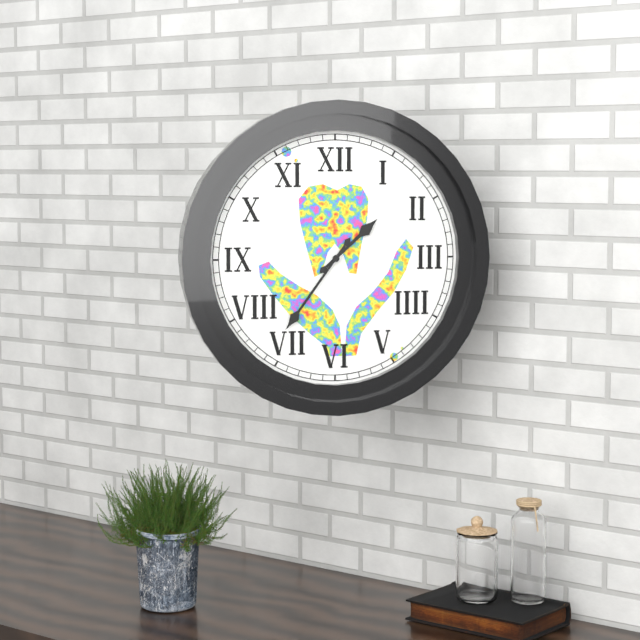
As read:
1,36
